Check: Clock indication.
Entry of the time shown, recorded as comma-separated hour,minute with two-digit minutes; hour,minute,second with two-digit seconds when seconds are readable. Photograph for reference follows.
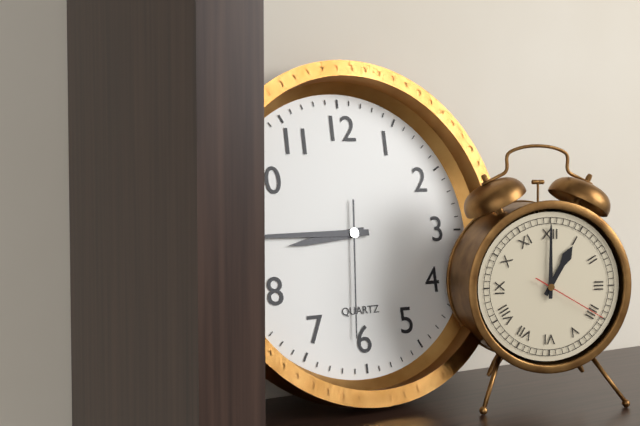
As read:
8,45,31
